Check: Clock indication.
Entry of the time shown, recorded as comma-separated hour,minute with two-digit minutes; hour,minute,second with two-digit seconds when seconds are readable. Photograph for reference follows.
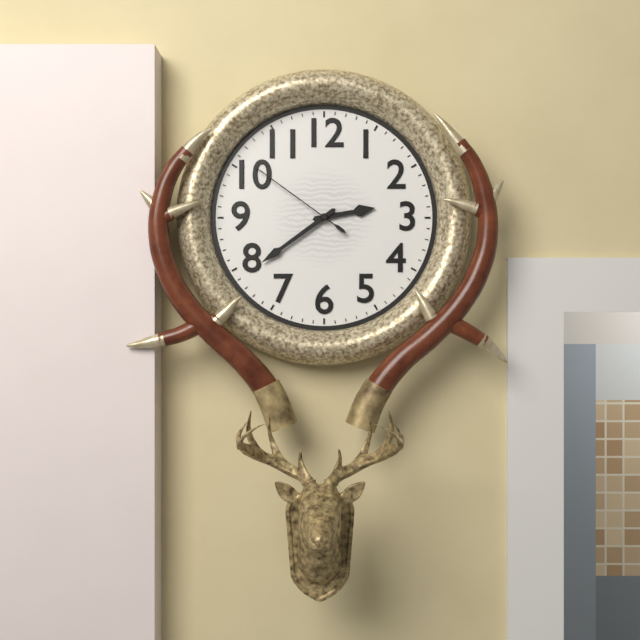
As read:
2,39,51
